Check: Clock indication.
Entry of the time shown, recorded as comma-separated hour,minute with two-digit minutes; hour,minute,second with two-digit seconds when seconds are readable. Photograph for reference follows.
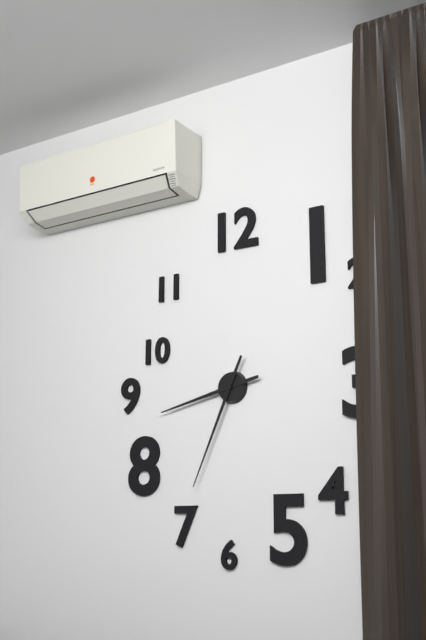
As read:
8,34
